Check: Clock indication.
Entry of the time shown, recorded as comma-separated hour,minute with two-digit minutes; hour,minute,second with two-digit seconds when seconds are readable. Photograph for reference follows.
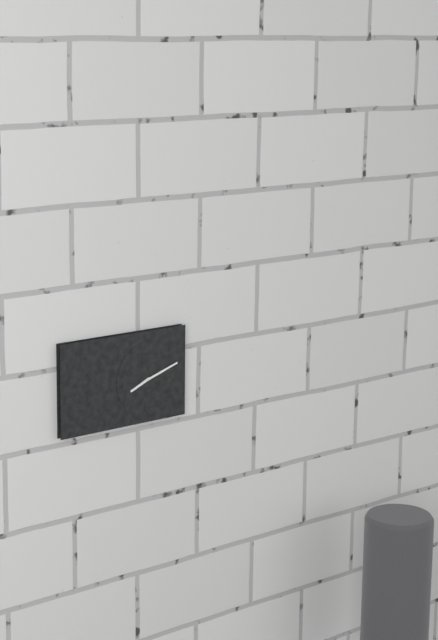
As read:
8,12
